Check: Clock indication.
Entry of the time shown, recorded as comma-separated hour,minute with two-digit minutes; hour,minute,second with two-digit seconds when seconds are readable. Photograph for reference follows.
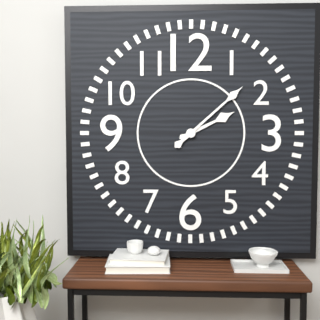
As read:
2,08
